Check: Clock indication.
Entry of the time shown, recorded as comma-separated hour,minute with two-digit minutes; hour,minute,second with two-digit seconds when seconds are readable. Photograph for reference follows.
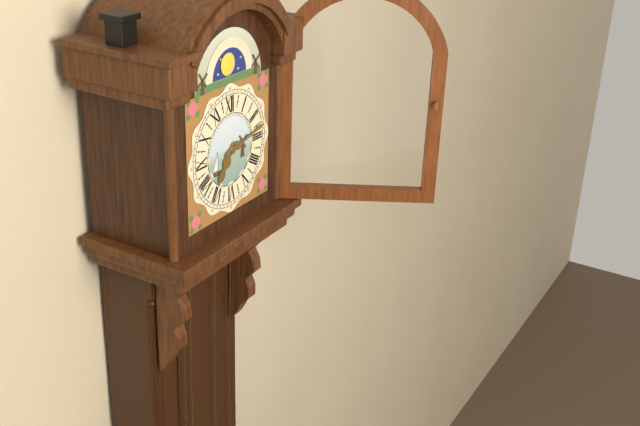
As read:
7,13
